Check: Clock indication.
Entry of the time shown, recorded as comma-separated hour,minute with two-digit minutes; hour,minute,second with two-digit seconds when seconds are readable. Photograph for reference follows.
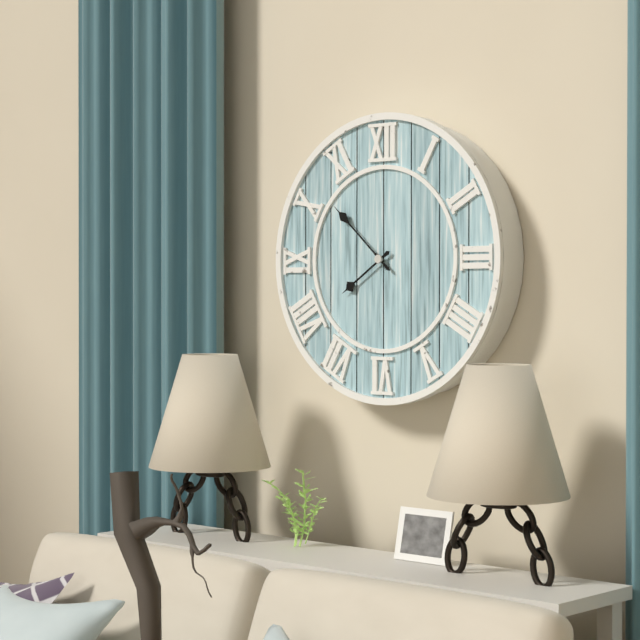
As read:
7,52
